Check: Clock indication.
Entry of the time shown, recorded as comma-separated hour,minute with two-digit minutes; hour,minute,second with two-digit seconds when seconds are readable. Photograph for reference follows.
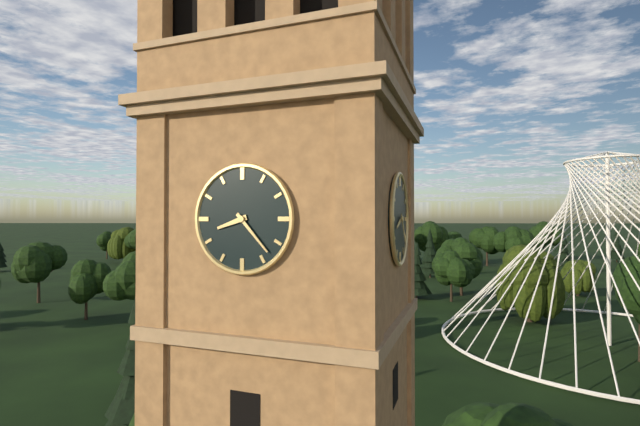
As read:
8,23
